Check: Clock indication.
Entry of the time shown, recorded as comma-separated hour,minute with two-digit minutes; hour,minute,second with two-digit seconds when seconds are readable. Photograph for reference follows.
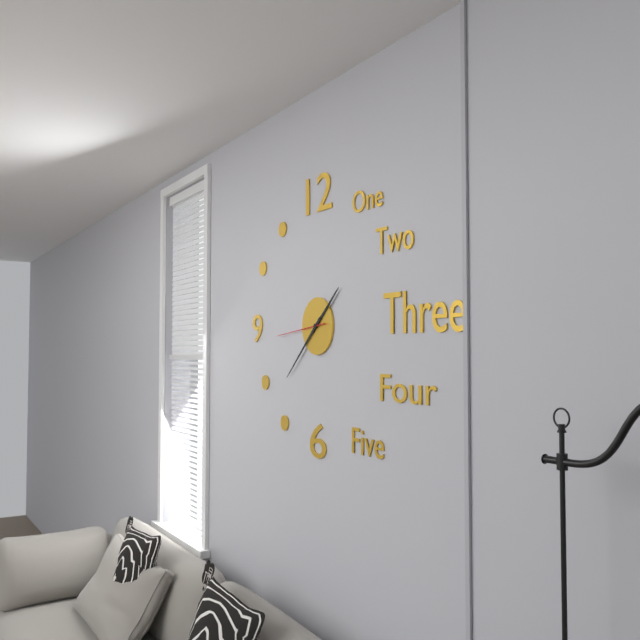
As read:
1,38,44
